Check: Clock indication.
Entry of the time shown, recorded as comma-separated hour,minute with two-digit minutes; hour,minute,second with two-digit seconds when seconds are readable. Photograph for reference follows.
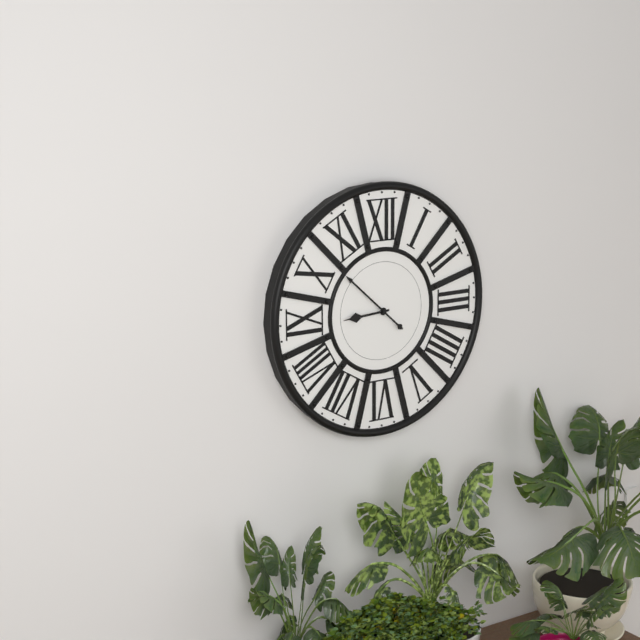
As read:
8,52
